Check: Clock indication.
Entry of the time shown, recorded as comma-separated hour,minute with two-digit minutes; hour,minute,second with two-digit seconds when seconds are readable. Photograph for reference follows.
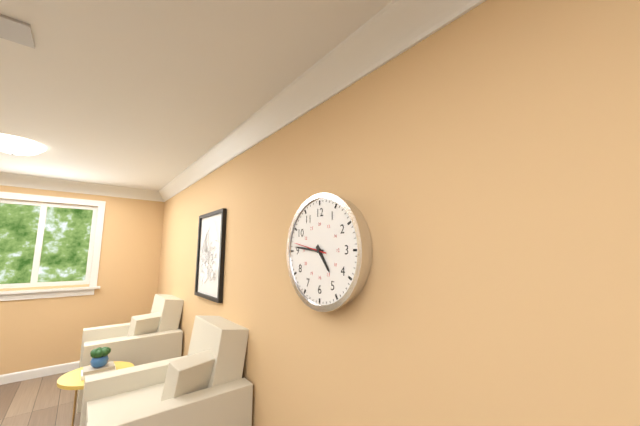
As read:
4,46
